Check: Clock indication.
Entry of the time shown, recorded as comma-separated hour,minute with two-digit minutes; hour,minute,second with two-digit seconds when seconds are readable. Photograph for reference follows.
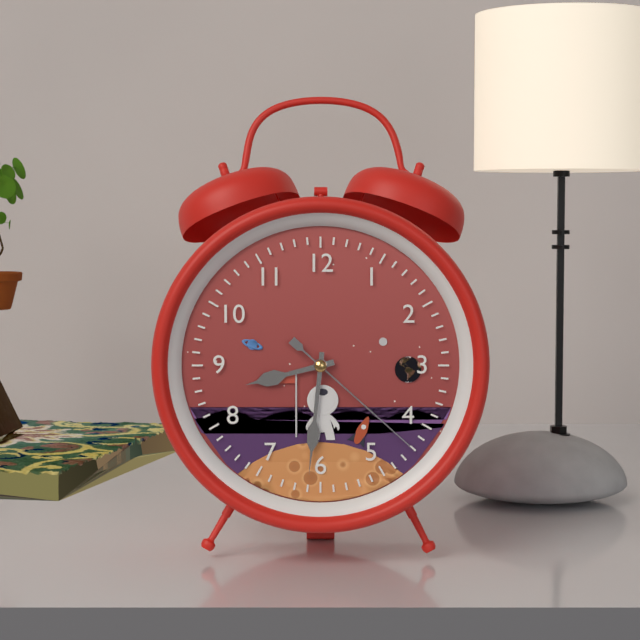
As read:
8,31,22
